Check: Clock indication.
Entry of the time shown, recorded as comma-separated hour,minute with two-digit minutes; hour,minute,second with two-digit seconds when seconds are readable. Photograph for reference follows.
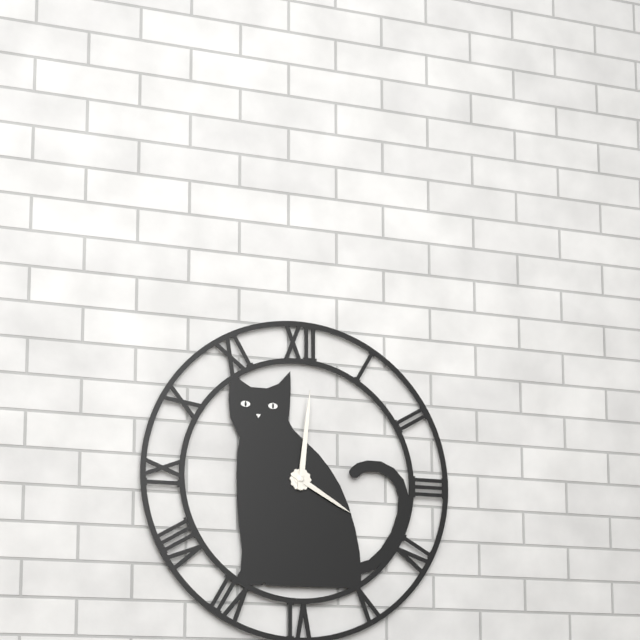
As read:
4,01
